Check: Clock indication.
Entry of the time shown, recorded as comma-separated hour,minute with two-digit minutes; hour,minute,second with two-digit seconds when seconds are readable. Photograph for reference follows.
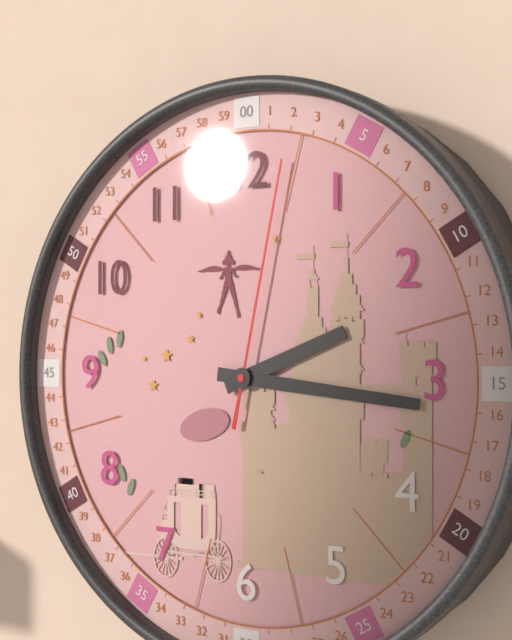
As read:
2,16,02
